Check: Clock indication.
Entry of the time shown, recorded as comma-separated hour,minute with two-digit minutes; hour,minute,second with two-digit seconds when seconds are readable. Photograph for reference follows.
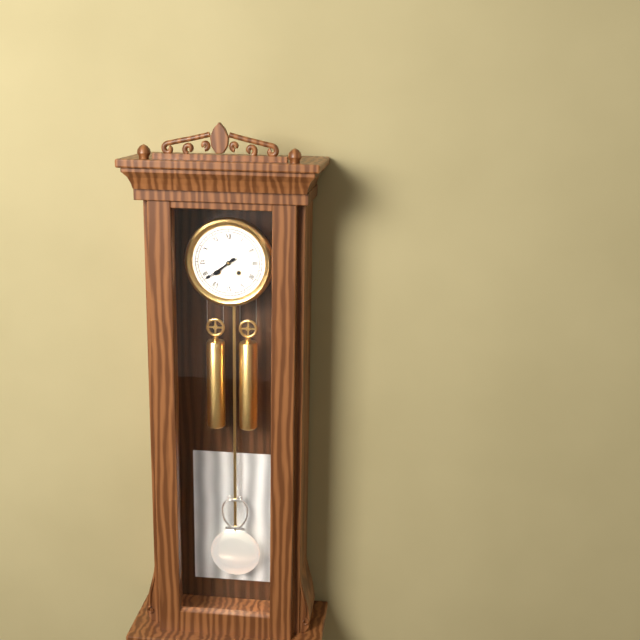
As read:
7,39
